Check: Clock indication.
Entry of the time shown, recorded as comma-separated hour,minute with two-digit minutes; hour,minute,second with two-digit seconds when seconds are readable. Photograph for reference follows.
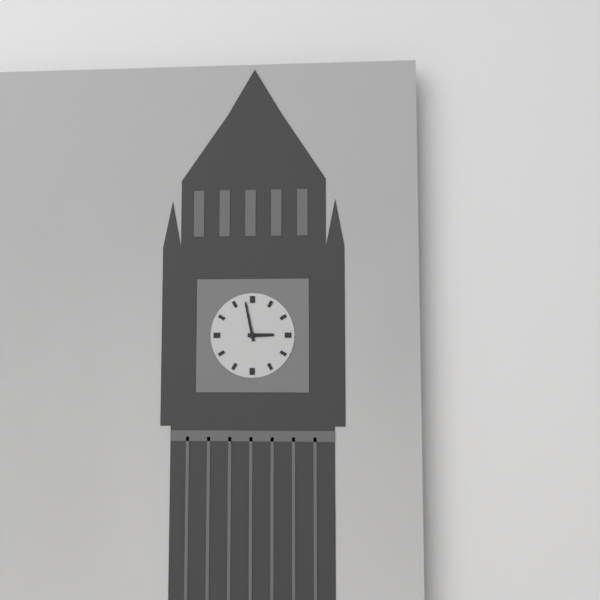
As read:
2,58
